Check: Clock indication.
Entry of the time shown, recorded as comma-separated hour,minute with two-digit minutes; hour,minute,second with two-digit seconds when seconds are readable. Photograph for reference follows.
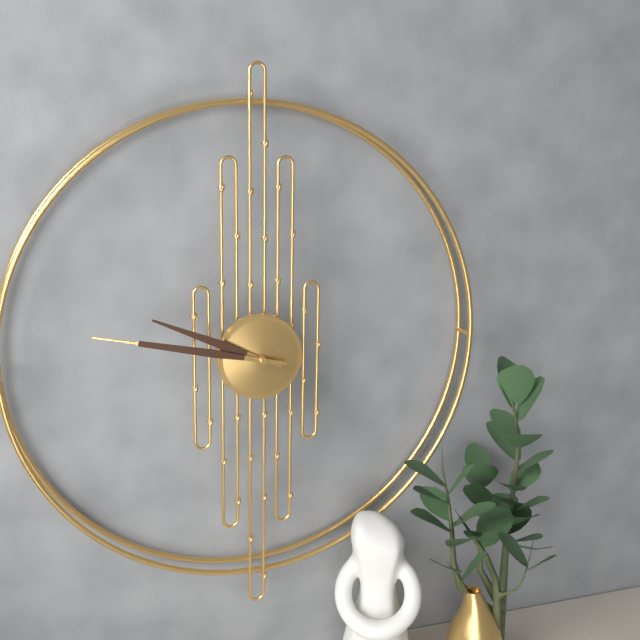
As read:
9,47
